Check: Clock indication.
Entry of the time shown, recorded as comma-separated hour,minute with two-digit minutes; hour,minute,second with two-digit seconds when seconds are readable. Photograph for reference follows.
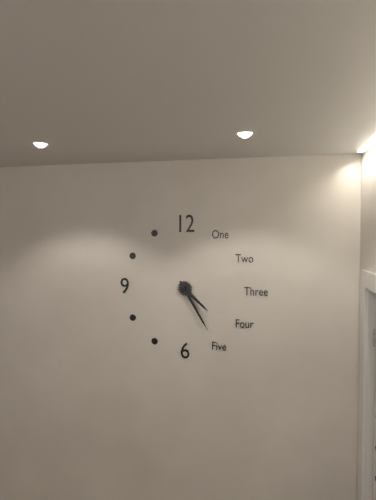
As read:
4,25
